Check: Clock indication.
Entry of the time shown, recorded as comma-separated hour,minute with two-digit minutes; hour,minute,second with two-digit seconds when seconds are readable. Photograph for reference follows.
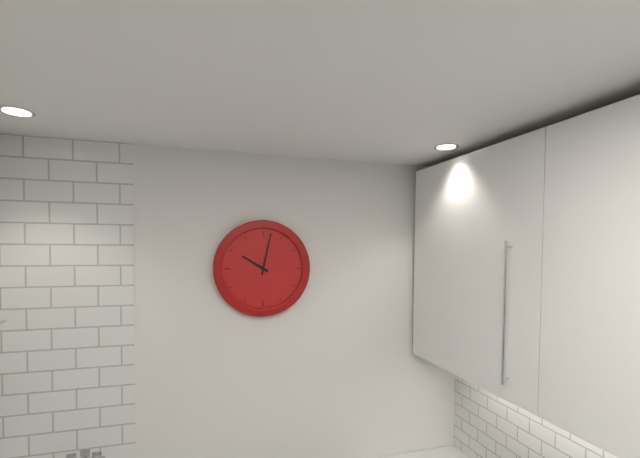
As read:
10,02
